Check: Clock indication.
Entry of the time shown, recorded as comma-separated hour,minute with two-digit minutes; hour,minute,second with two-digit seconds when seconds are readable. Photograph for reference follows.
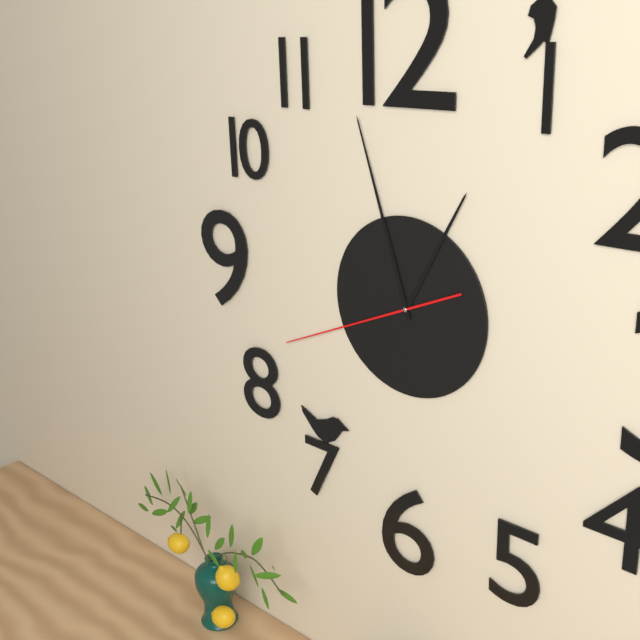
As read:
12,57,41
